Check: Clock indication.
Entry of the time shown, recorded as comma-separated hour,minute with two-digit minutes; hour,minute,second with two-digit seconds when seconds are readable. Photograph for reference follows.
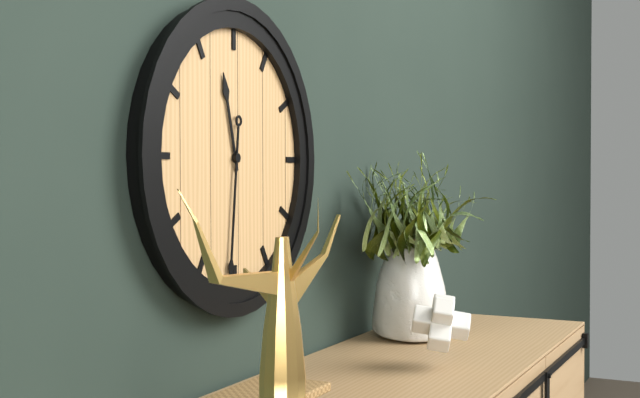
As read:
11,31
